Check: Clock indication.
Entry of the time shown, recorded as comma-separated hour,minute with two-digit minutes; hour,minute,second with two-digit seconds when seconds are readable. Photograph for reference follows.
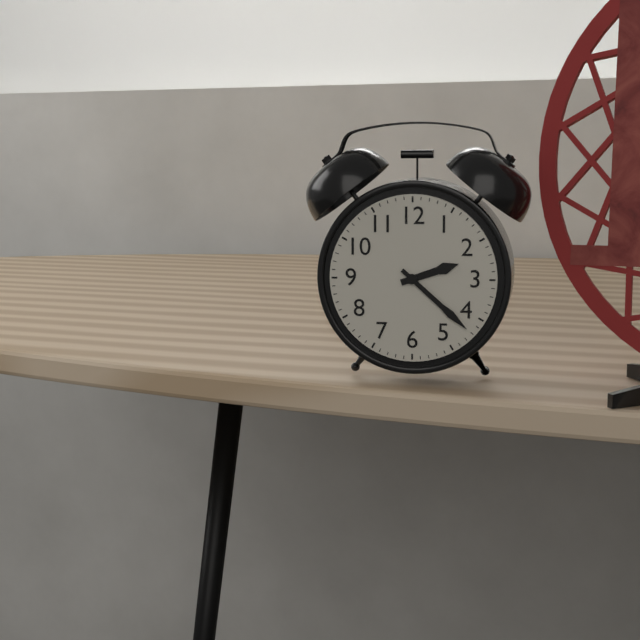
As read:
2,22
